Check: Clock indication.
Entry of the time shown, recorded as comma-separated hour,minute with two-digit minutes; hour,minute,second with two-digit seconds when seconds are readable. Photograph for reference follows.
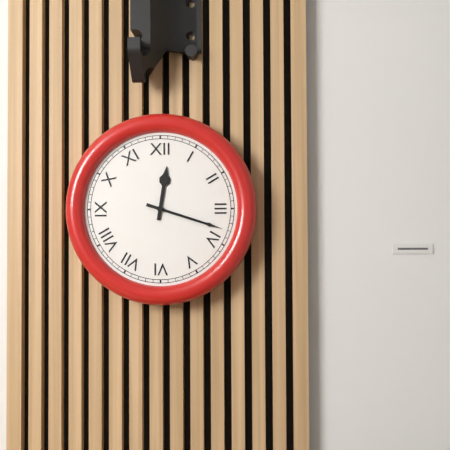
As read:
12,18
